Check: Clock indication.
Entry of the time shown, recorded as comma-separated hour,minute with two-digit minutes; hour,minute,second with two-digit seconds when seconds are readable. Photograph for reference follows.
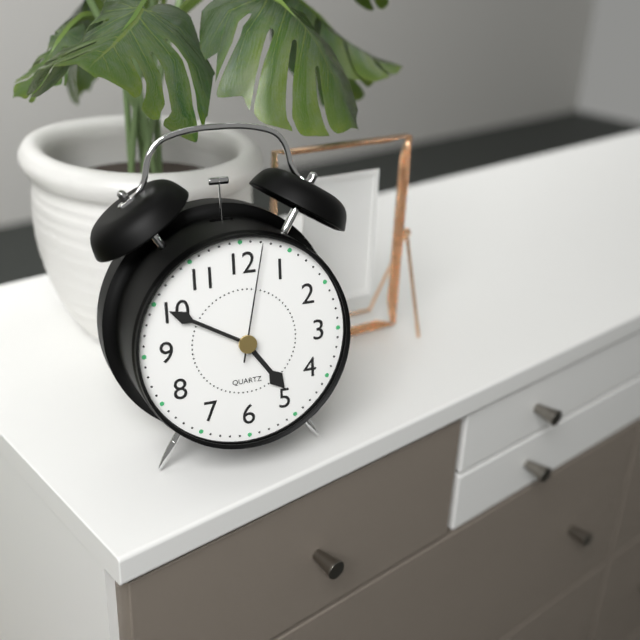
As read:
4,50,02
